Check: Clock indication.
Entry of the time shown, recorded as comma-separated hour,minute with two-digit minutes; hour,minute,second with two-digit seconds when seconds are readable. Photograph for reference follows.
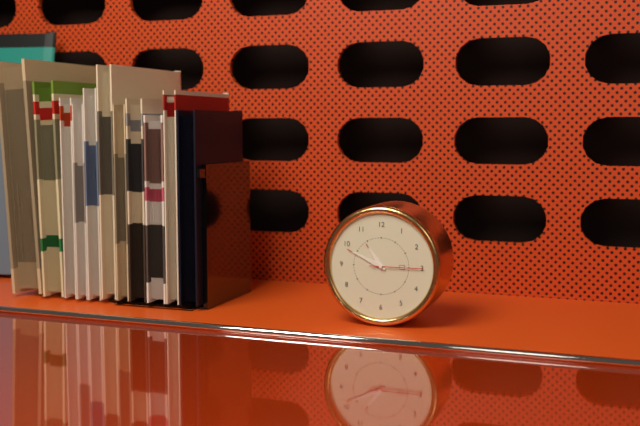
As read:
10,49,15
